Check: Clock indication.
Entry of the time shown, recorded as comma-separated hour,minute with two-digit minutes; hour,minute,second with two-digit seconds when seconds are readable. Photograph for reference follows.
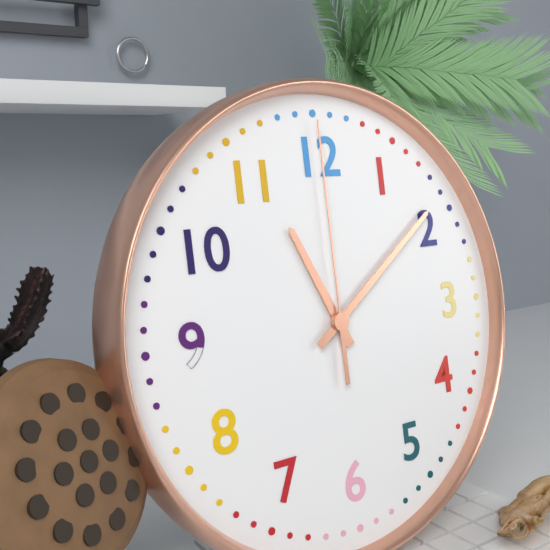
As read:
11,09,00
